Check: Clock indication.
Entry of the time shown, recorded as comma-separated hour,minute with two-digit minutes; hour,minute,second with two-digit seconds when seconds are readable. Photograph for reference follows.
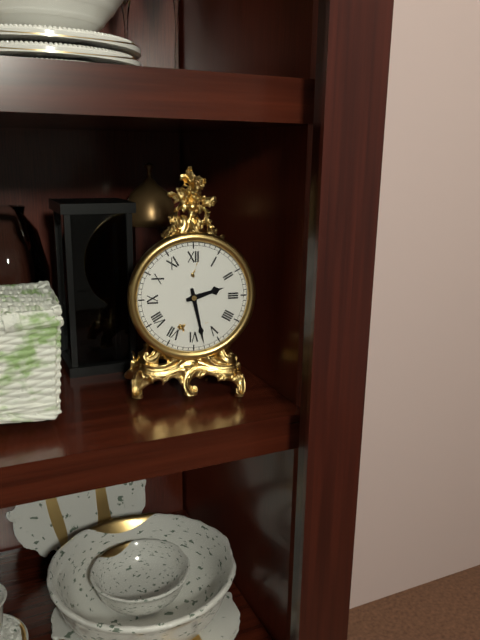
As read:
2,28
